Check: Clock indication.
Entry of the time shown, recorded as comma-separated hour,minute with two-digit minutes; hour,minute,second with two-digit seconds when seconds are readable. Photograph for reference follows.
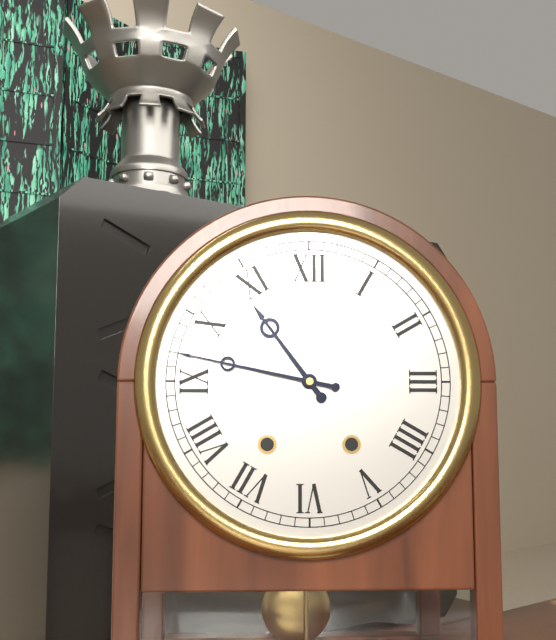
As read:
10,47
